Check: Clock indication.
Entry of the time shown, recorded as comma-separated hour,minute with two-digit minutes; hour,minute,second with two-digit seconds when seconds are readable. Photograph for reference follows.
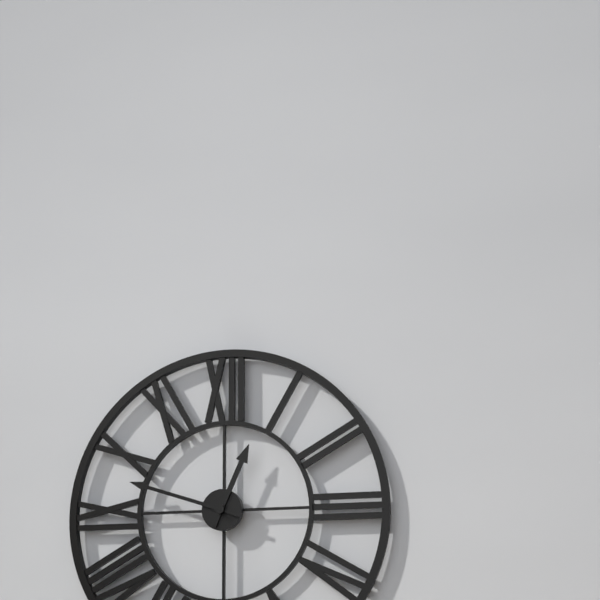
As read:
12,48
